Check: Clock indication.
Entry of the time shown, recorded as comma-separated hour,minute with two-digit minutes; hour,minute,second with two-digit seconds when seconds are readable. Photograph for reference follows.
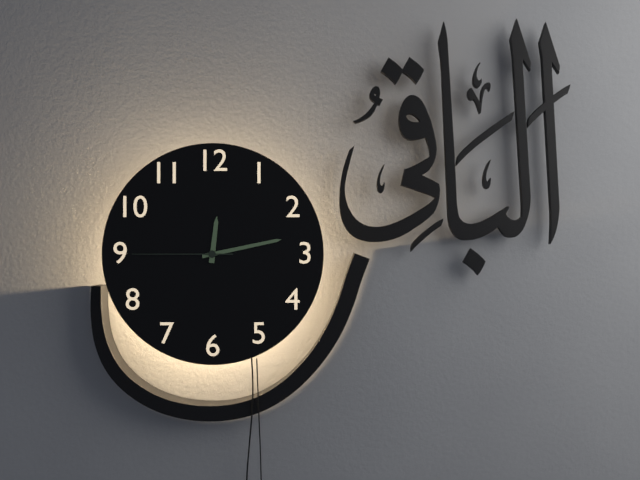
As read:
12,13,45
